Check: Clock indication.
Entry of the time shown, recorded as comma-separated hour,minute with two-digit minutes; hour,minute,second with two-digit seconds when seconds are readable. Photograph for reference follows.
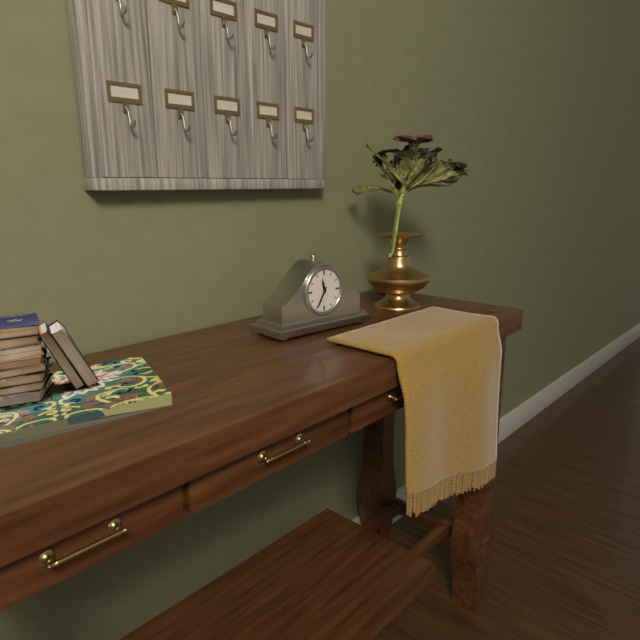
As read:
11,35
